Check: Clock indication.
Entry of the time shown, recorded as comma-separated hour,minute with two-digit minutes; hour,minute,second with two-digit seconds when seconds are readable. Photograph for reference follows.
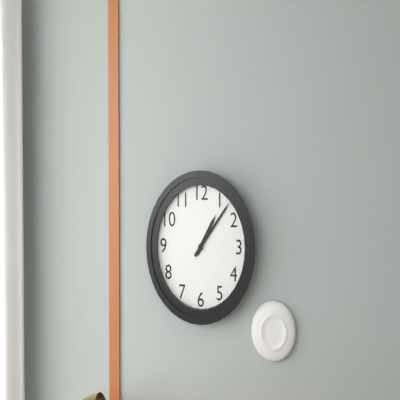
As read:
1,07
